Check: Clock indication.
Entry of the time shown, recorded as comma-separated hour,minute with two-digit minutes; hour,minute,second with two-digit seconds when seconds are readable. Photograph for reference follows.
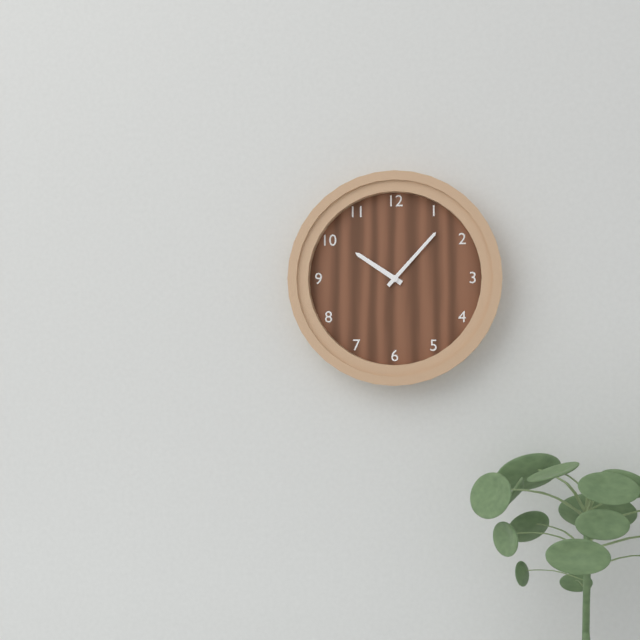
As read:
10,07
